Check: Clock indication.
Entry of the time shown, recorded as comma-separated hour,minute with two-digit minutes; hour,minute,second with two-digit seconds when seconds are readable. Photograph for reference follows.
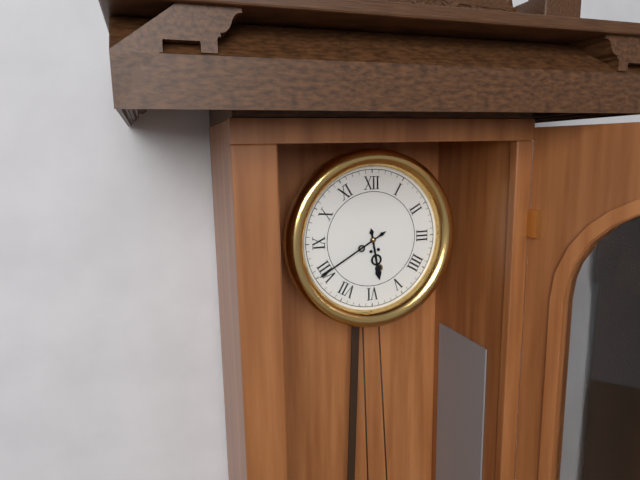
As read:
5,40
